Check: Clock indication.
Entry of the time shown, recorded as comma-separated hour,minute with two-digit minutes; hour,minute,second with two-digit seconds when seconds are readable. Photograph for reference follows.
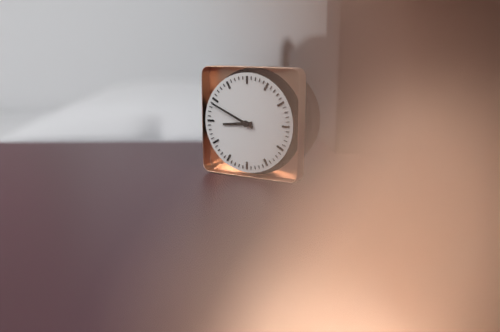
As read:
8,49
